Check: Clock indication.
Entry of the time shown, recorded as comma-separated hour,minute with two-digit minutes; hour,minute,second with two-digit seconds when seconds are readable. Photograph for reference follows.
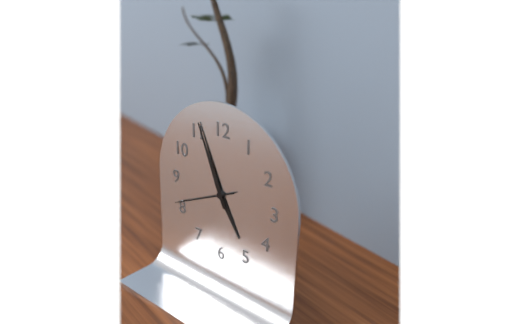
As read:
4,56,41
